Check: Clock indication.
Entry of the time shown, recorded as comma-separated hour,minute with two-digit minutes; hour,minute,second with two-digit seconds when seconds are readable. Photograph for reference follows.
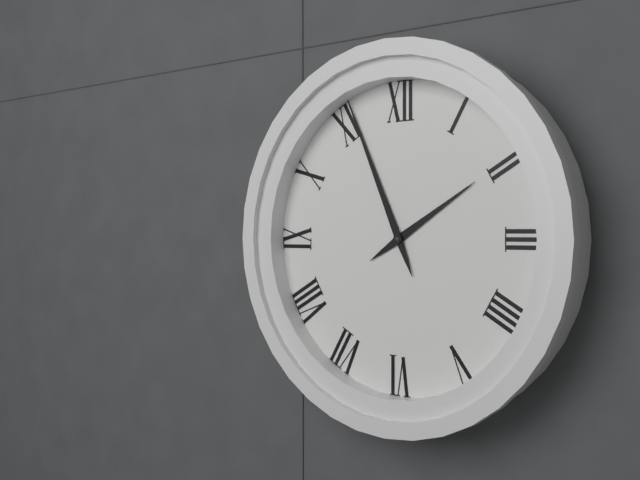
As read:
1,56
